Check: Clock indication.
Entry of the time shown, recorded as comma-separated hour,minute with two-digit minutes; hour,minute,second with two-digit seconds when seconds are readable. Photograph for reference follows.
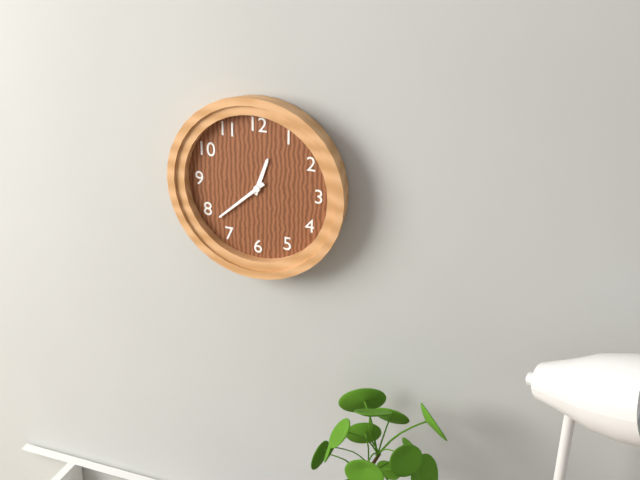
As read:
12,38
